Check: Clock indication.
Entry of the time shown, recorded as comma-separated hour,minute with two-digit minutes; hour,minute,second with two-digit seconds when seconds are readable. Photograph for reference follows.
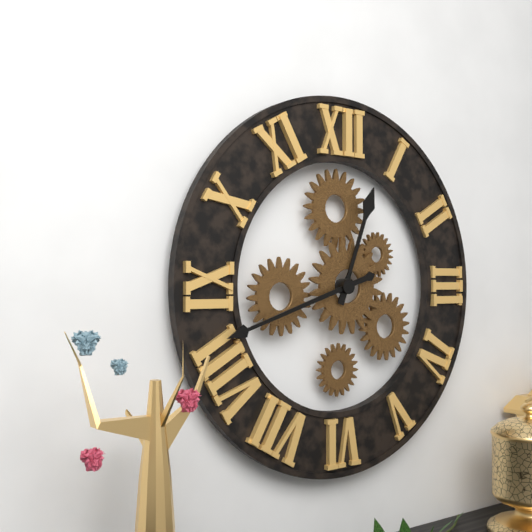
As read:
12,42
